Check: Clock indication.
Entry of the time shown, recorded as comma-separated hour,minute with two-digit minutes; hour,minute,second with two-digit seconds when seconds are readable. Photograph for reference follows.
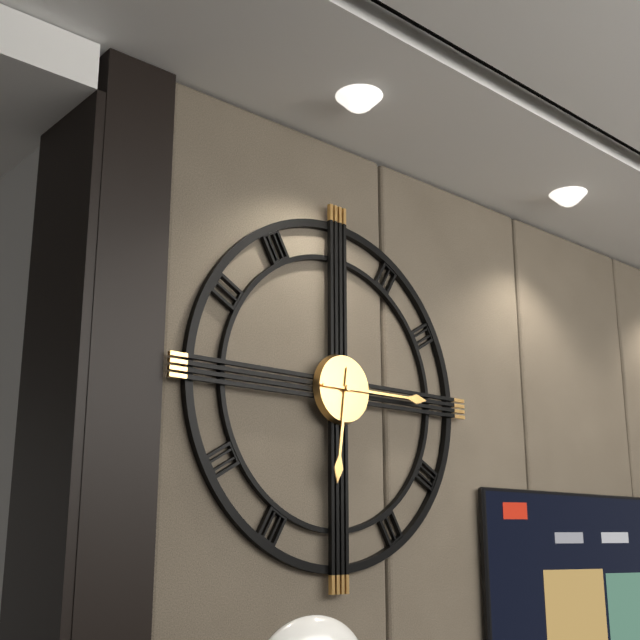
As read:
6,15
